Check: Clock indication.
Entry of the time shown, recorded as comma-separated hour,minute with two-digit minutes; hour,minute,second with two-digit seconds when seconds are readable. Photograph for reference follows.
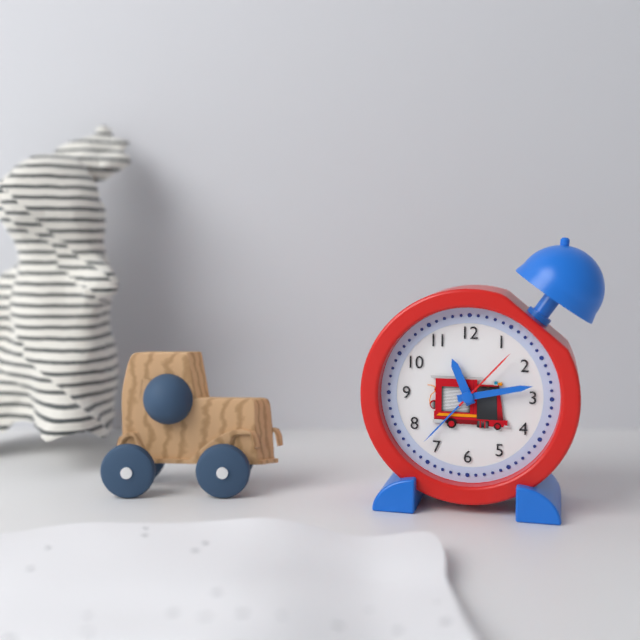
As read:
11,13,07
